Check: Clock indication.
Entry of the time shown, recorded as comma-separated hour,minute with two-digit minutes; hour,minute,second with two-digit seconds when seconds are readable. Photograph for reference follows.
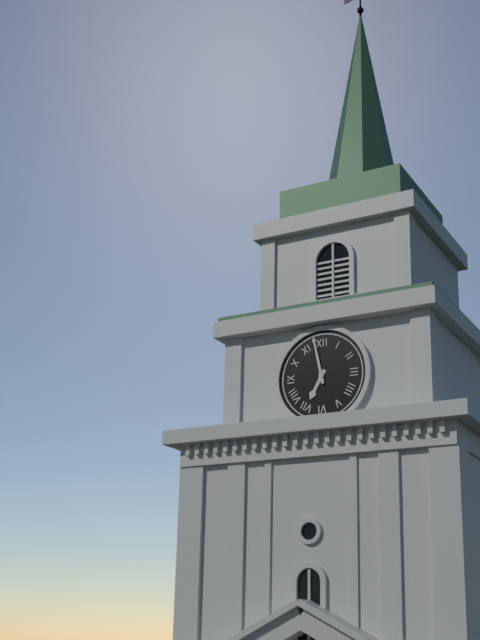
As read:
6,58
